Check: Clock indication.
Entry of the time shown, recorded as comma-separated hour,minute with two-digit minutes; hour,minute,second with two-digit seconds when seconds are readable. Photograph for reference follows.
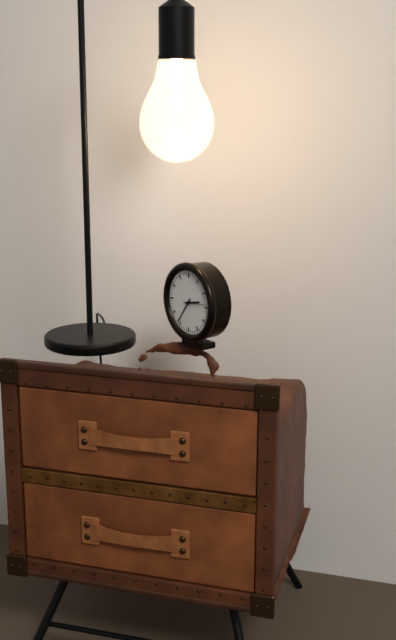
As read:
2,36
